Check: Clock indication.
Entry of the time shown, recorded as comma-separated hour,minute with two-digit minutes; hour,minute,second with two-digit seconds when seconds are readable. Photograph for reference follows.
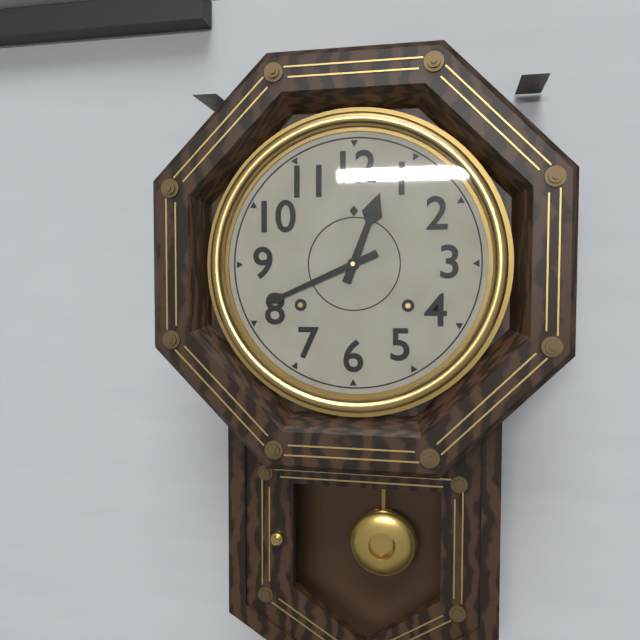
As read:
12,41
